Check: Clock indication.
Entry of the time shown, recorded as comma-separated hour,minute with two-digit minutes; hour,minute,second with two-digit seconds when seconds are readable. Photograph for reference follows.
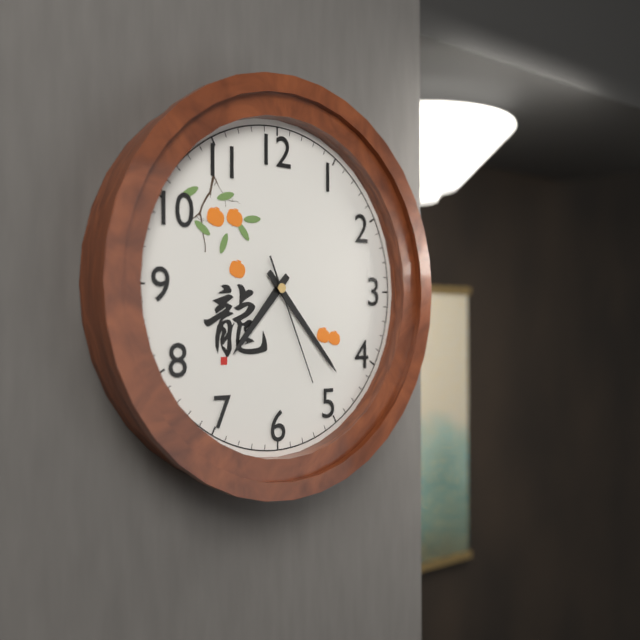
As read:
7,23,26
